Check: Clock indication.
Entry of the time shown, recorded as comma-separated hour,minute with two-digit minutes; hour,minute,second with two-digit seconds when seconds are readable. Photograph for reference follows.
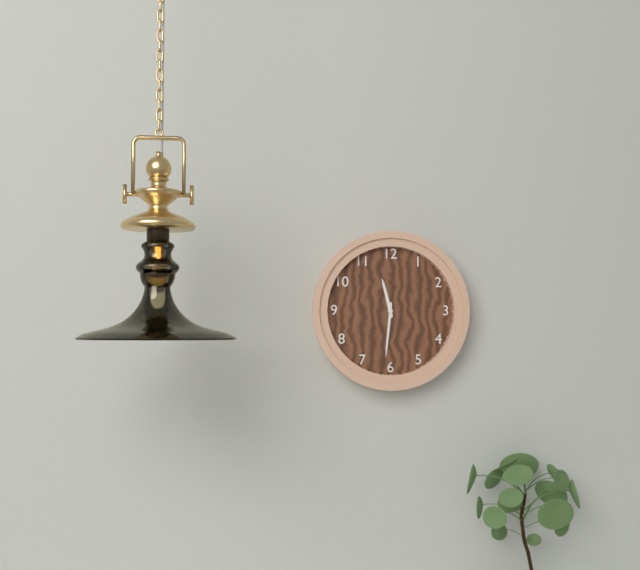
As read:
11,31
